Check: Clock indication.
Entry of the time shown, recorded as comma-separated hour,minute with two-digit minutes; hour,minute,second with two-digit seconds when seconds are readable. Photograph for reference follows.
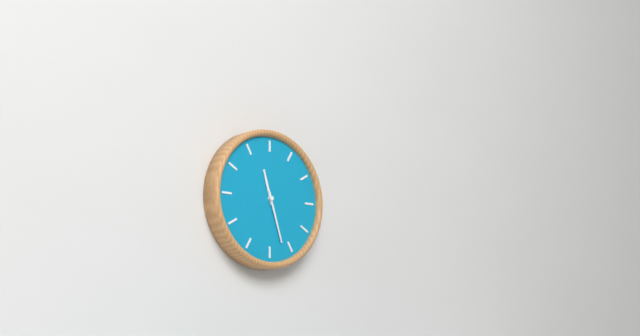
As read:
11,27
